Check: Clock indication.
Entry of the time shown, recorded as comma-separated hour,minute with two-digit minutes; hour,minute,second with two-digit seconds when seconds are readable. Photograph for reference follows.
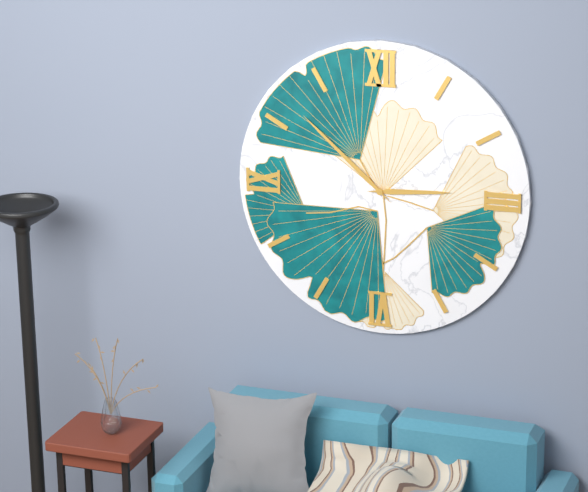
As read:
2,52
